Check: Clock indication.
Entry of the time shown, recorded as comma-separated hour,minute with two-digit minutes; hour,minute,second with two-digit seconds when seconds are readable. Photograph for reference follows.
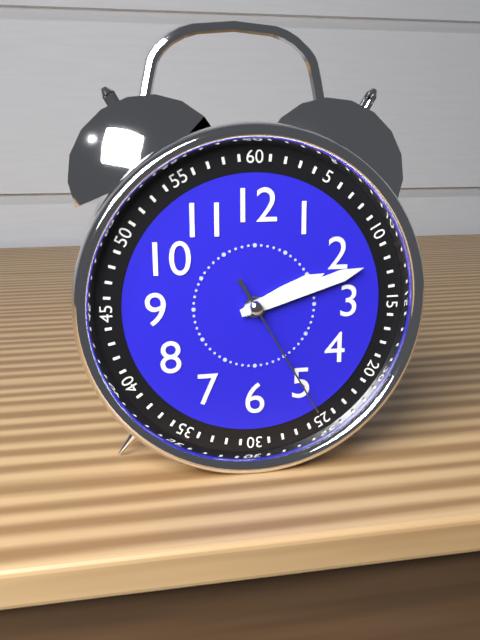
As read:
2,12,25
